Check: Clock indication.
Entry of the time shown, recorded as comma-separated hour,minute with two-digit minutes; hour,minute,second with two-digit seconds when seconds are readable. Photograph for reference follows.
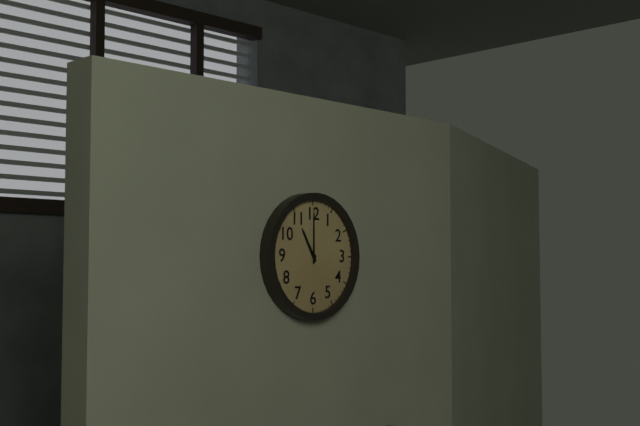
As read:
11,00
